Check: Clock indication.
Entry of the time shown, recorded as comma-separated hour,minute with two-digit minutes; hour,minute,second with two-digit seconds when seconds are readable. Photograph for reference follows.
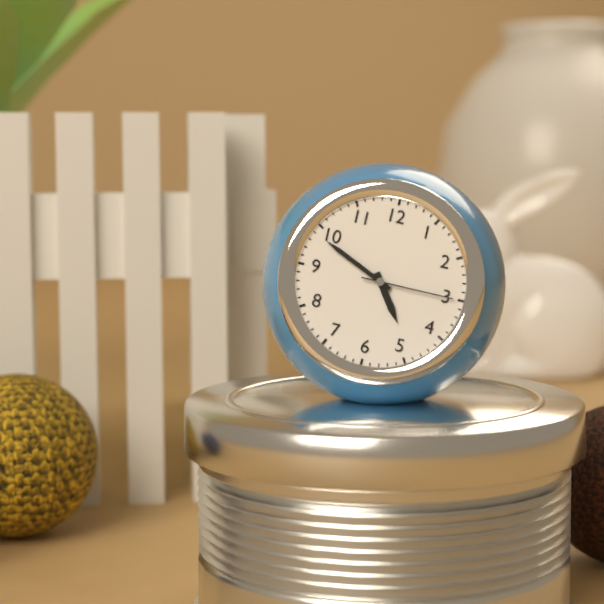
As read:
4,49,15
